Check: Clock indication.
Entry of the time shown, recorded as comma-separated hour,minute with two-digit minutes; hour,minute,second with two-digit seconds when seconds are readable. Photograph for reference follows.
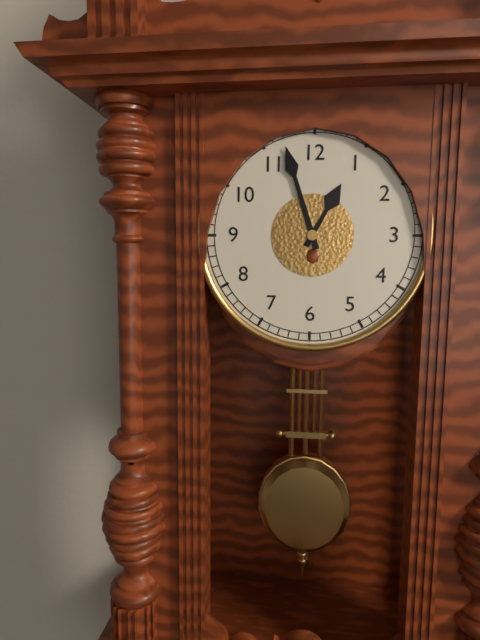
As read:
12,57
